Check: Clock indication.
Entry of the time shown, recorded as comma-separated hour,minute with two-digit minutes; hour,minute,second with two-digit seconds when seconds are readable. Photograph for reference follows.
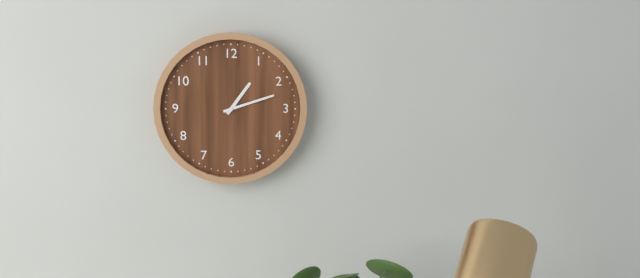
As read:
1,12
